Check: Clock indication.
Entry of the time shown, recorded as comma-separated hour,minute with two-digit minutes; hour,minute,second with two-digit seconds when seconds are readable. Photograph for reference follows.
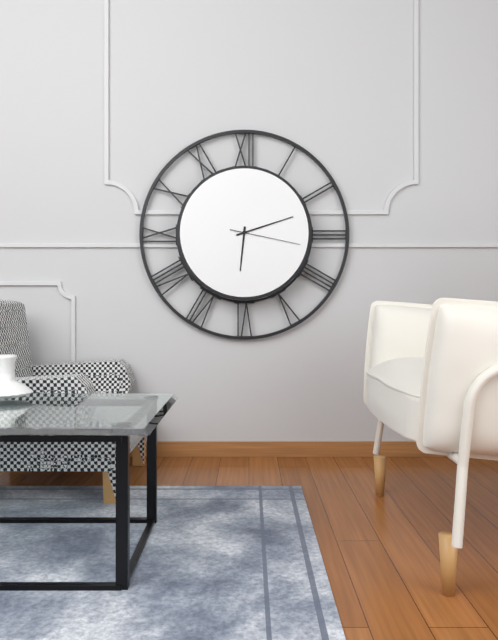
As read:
6,12,17
